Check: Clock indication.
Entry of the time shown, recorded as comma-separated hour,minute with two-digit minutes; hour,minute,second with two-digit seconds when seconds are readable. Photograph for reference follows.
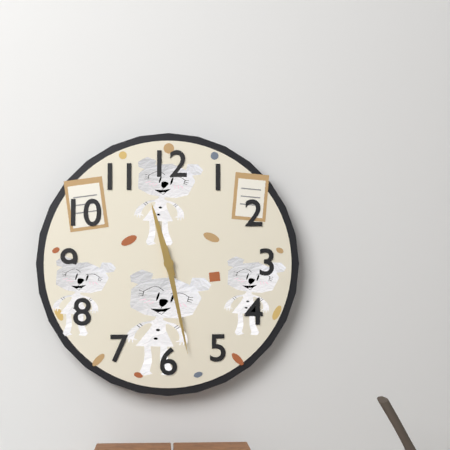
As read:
11,28
